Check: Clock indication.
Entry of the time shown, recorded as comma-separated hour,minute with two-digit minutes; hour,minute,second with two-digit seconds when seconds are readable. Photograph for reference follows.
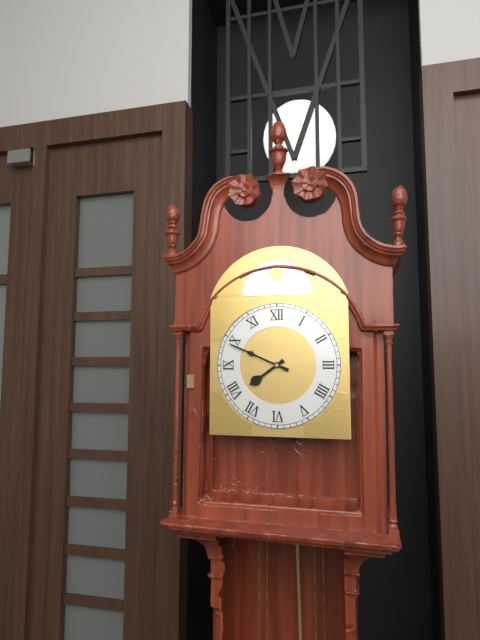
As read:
7,49
